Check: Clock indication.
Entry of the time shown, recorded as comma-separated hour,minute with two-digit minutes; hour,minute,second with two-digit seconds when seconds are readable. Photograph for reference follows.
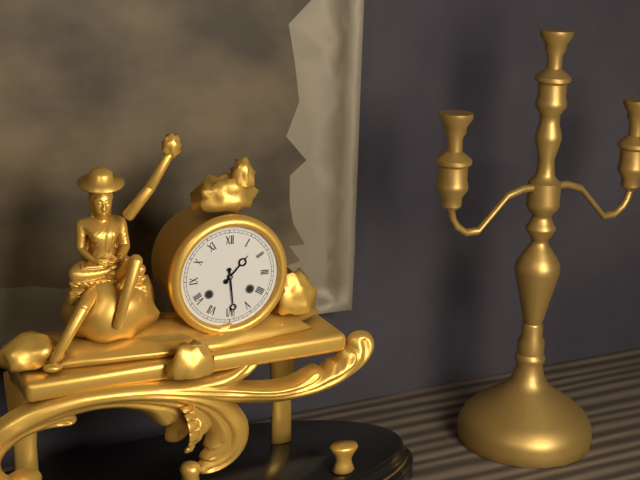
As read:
1,29
